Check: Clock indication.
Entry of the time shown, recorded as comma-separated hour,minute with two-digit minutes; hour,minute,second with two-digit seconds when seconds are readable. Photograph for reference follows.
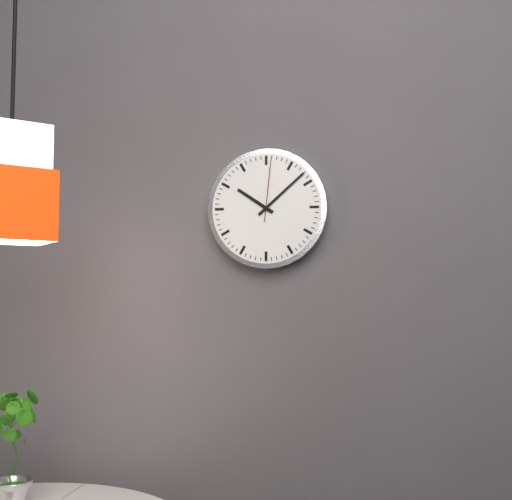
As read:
10,08,01
